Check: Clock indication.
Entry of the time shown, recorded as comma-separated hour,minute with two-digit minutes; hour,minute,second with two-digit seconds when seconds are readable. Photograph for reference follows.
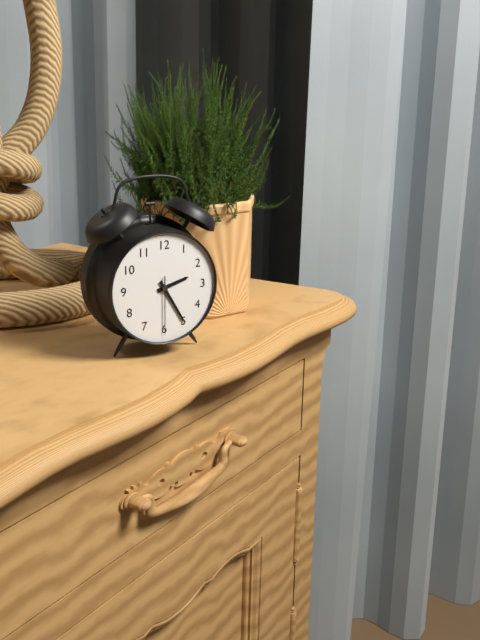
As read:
2,25,30
